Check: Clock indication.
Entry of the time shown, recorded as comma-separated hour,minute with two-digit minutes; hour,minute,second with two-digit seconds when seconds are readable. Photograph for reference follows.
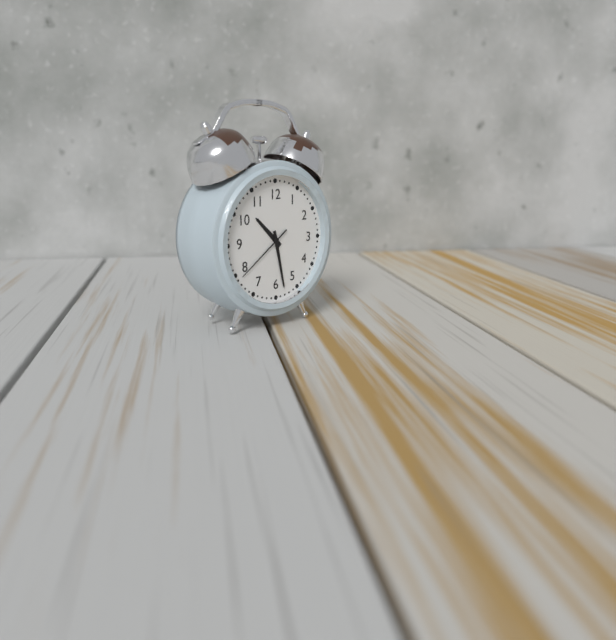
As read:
10,28,39
